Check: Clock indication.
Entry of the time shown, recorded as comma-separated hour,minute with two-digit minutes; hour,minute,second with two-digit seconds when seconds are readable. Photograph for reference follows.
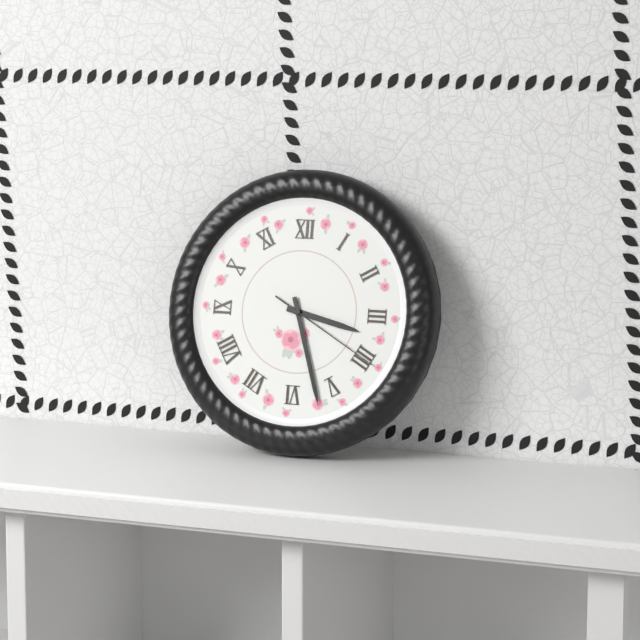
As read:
3,27,20
